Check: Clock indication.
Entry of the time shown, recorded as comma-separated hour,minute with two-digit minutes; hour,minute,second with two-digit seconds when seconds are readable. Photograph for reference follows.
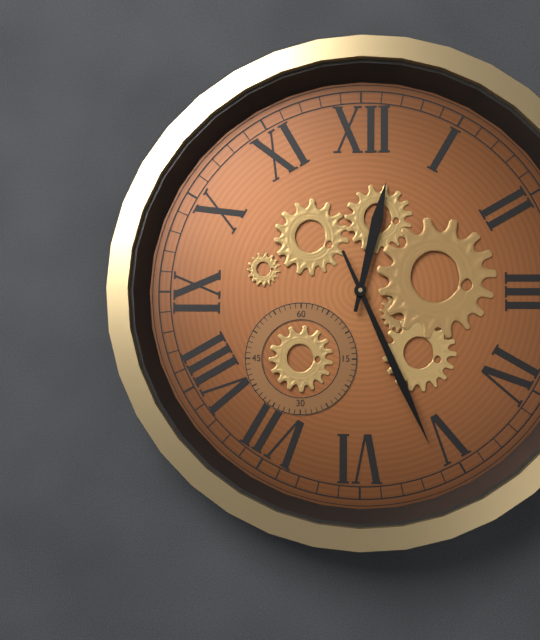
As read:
12,26
